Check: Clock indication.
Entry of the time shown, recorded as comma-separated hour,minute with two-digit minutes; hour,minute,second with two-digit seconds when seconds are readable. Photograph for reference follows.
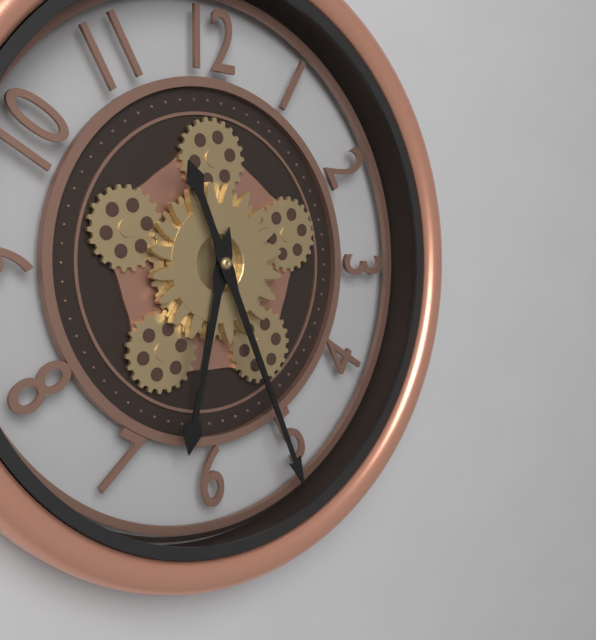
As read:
6,26
